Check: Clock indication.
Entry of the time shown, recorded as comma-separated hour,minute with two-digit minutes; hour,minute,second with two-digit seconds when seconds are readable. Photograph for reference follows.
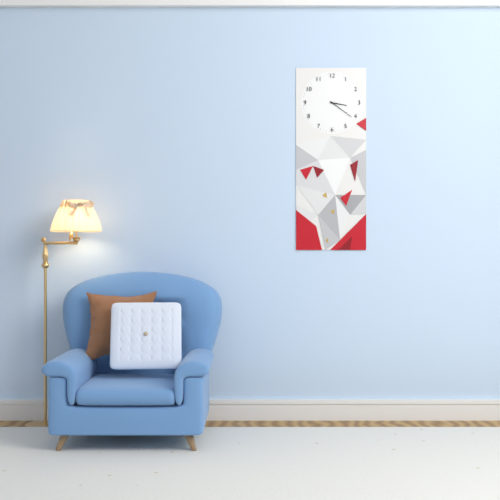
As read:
3,21
